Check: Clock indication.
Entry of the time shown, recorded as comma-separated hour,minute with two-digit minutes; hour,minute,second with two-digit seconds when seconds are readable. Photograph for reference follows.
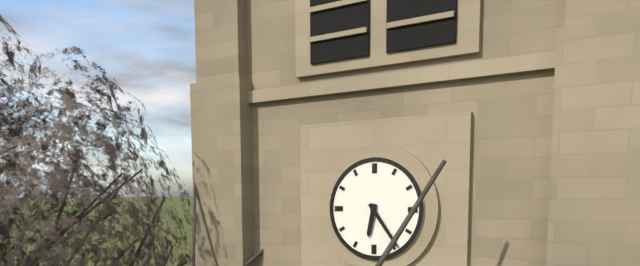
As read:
6,24
